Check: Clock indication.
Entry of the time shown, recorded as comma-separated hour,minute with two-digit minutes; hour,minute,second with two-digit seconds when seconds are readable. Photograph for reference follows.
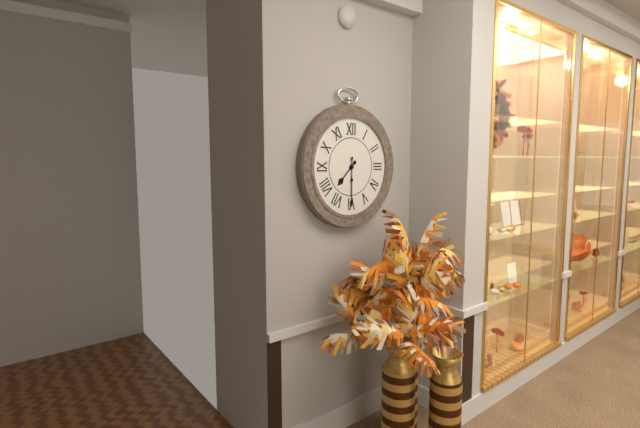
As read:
7,30
